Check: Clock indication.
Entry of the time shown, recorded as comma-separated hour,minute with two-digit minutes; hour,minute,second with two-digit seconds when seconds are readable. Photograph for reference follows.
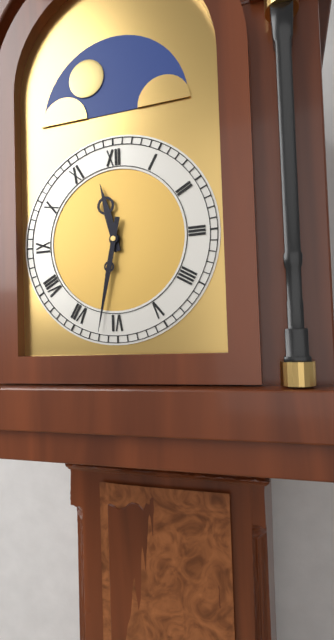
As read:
11,32
